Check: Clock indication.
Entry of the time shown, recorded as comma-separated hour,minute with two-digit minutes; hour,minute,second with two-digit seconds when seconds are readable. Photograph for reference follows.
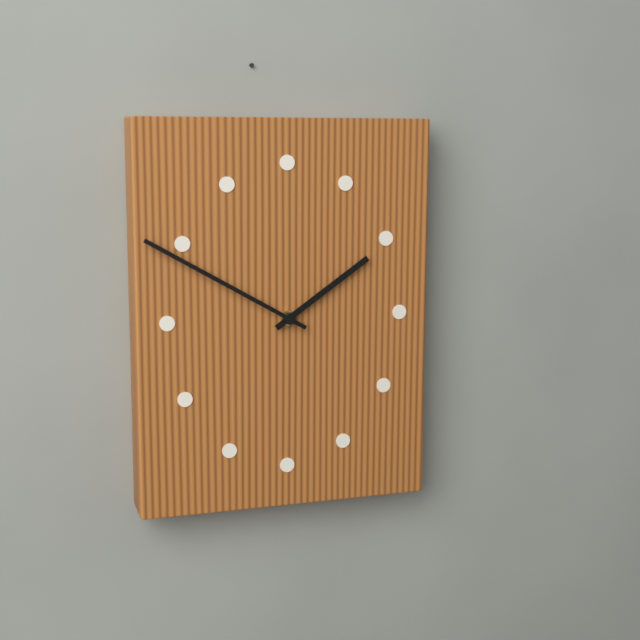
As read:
1,50
